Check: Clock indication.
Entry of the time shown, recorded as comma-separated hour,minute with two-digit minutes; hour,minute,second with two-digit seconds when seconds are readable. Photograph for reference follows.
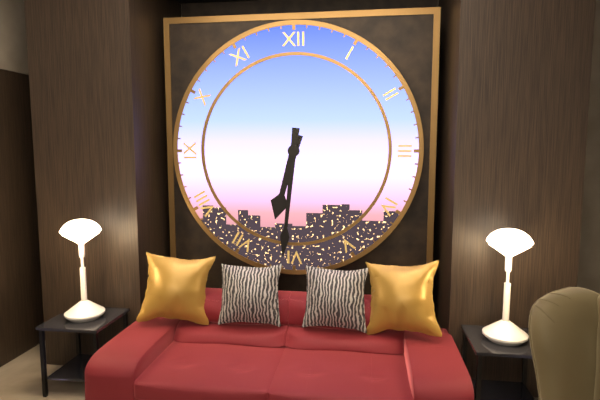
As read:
6,31
